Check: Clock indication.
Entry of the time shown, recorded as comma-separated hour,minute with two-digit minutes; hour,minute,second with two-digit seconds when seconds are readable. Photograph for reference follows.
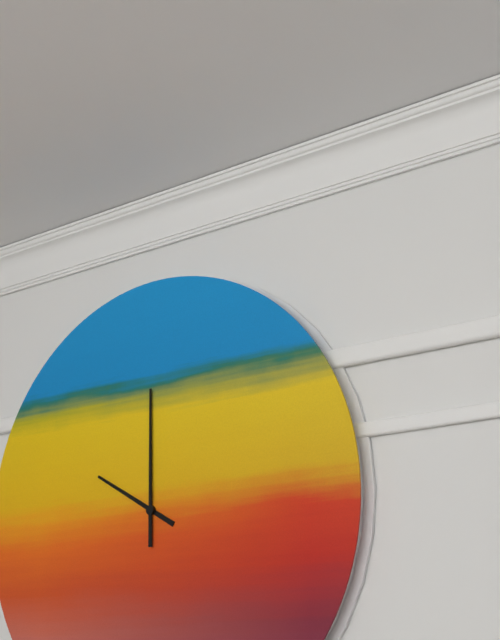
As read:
10,00
